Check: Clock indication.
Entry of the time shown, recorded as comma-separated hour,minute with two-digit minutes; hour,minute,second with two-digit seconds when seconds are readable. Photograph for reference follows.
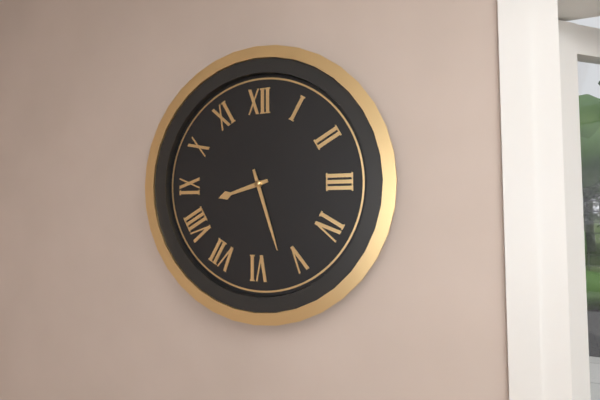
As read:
8,27
